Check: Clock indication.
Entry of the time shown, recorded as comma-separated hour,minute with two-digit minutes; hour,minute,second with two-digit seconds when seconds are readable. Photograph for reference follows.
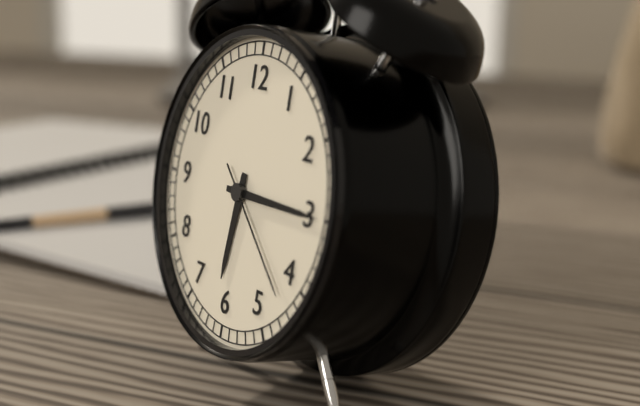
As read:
6,15,22
